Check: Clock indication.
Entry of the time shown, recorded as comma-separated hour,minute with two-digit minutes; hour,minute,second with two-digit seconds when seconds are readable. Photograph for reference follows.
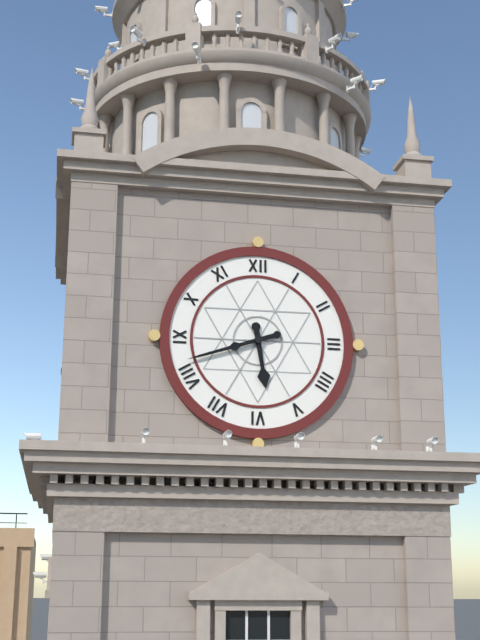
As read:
5,42
